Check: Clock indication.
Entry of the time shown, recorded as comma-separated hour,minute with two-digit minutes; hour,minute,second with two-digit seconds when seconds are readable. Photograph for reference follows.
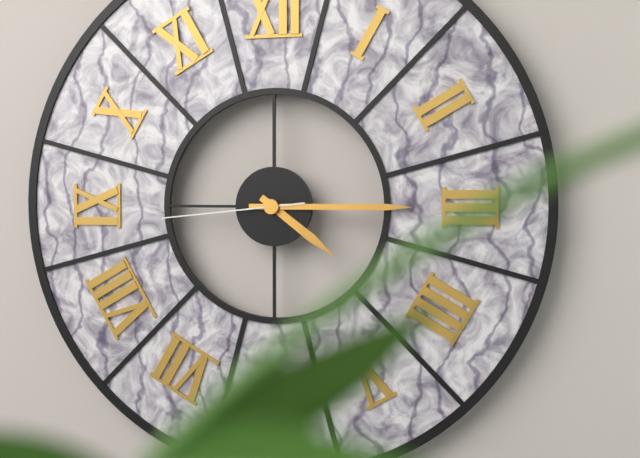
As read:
4,15,44
